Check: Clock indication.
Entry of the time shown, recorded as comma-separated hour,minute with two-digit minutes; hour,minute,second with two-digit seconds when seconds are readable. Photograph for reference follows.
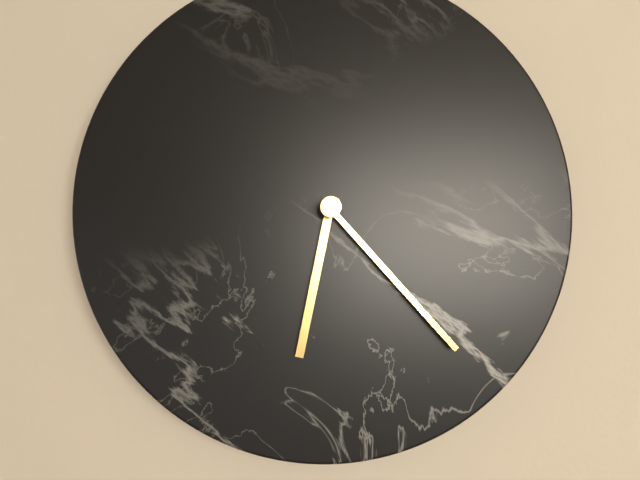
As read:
6,23
